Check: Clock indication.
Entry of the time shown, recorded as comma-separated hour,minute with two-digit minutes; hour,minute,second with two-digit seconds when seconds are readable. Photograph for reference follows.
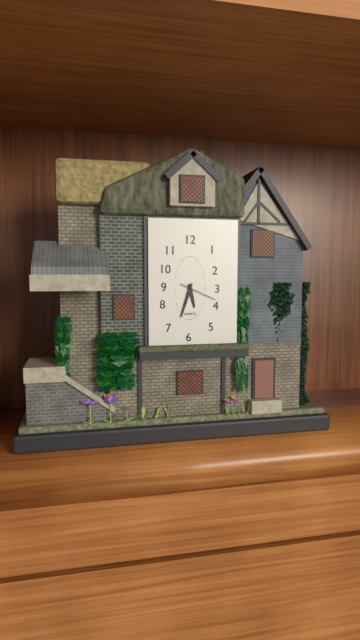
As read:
5,33
